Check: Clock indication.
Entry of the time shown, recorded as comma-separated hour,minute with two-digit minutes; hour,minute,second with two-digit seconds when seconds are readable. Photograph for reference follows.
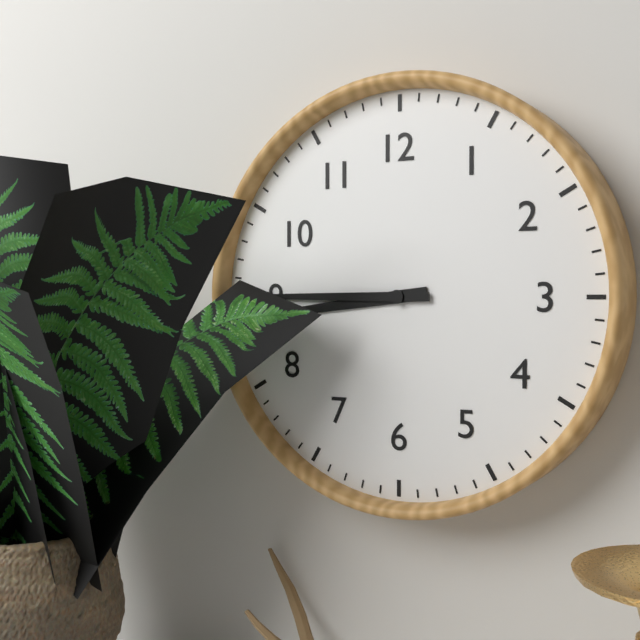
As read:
8,45
